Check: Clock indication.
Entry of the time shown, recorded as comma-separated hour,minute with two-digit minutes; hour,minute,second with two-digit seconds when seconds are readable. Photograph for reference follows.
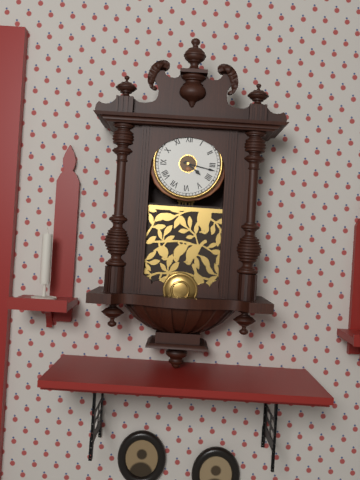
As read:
4,17
